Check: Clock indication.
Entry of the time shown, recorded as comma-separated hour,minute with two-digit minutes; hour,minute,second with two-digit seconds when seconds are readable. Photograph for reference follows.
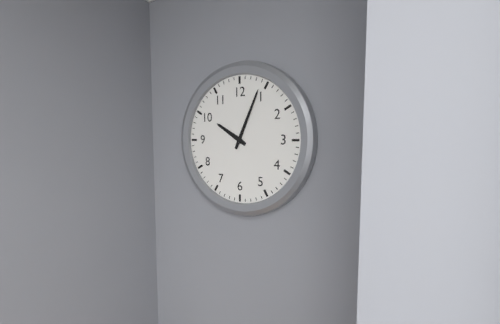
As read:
10,04
